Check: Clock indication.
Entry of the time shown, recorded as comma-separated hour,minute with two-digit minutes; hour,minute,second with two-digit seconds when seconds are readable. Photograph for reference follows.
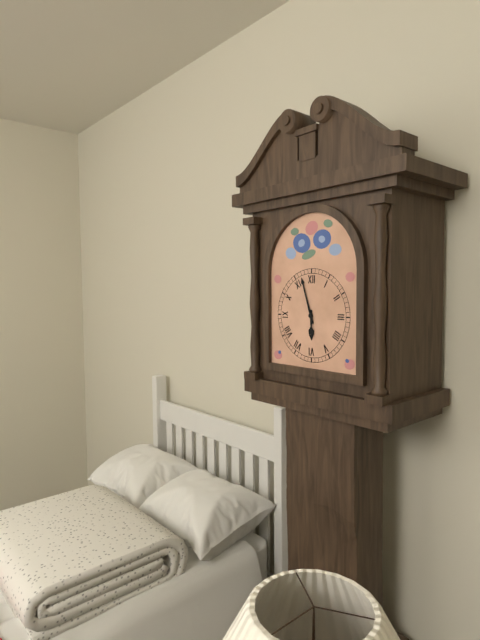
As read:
5,57
